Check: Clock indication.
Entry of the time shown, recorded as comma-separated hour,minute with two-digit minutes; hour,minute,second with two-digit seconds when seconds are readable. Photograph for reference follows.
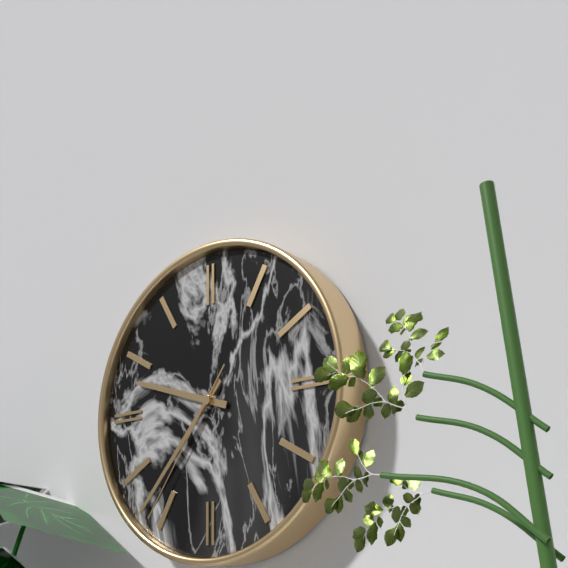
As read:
9,37,36
